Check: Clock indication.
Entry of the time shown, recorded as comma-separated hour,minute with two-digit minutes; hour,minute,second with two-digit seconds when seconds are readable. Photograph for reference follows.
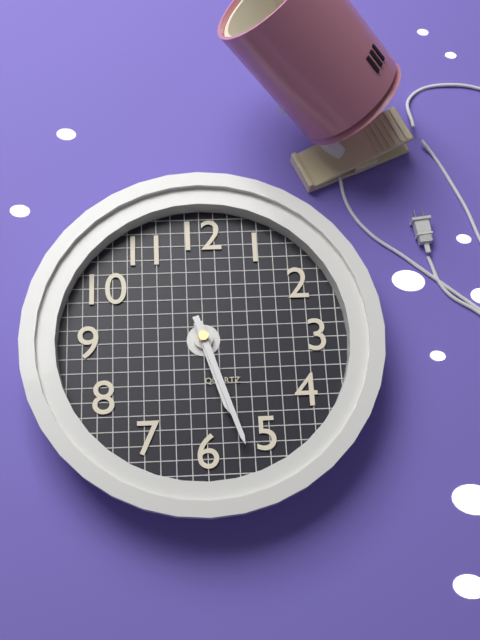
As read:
5,27
